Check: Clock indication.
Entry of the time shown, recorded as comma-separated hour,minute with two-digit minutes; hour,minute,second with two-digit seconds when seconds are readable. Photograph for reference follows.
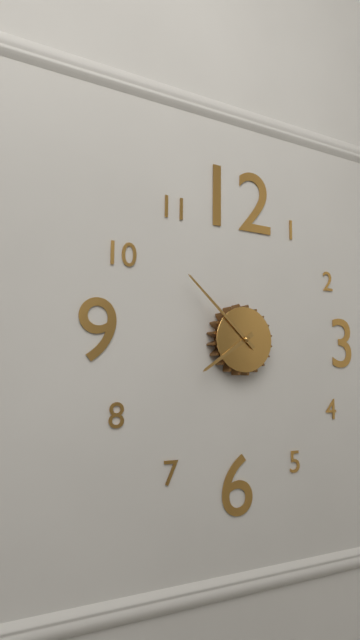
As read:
7,52
